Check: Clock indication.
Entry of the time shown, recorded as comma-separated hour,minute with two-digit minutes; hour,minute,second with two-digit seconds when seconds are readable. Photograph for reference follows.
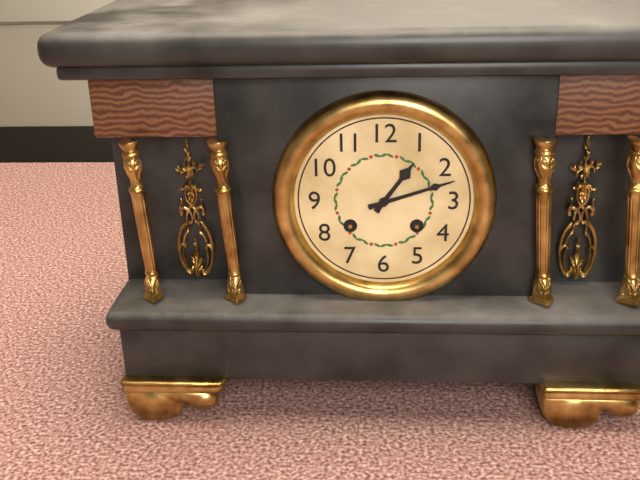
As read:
1,12
